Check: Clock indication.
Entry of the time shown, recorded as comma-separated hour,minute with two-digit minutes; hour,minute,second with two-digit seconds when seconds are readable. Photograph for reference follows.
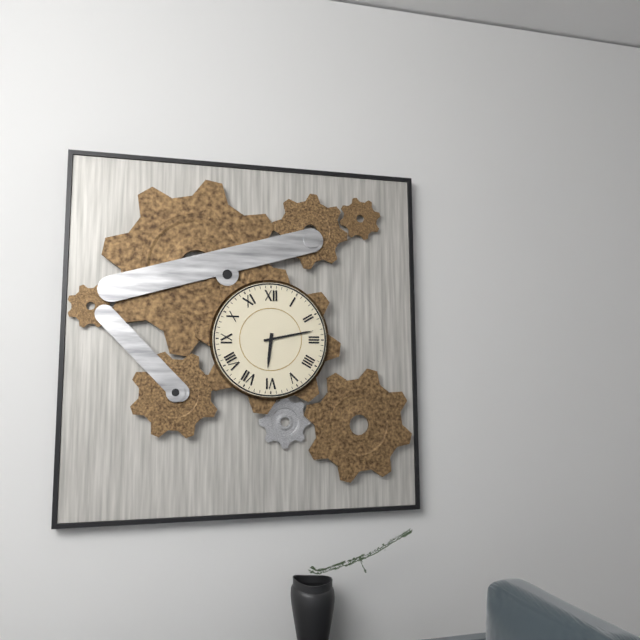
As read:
6,13
